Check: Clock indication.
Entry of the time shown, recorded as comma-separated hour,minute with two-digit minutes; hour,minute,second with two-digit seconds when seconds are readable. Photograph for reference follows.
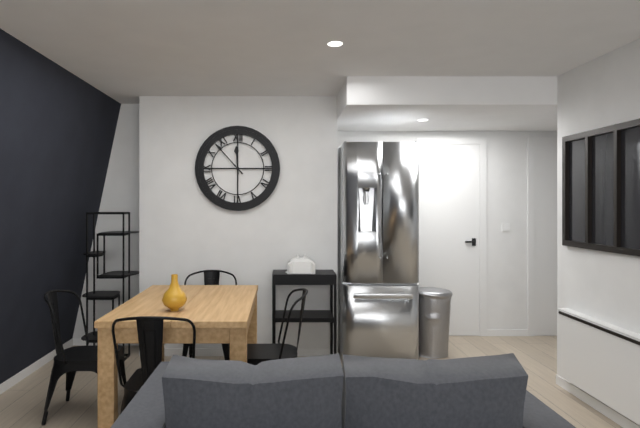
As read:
11,53
